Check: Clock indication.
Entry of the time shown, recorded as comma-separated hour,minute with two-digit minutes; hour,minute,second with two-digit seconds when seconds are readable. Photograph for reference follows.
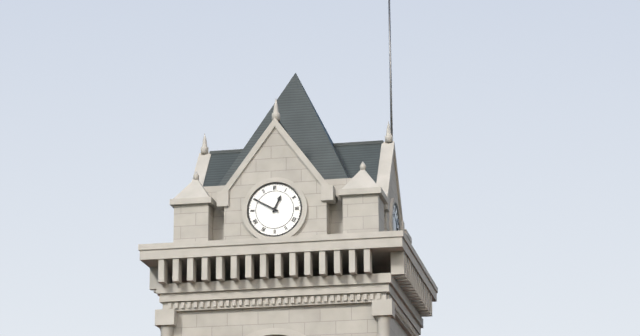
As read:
12,50
